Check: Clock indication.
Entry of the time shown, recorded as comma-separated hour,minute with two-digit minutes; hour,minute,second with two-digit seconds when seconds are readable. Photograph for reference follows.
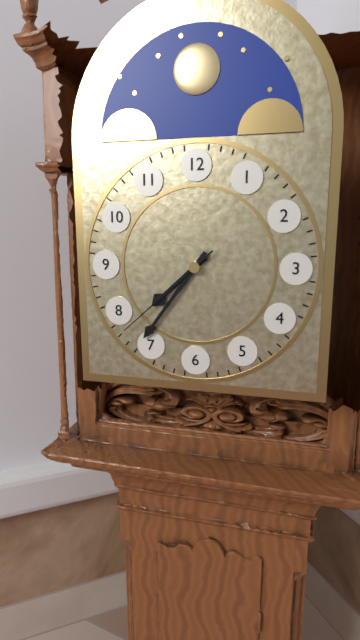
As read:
7,36,38
